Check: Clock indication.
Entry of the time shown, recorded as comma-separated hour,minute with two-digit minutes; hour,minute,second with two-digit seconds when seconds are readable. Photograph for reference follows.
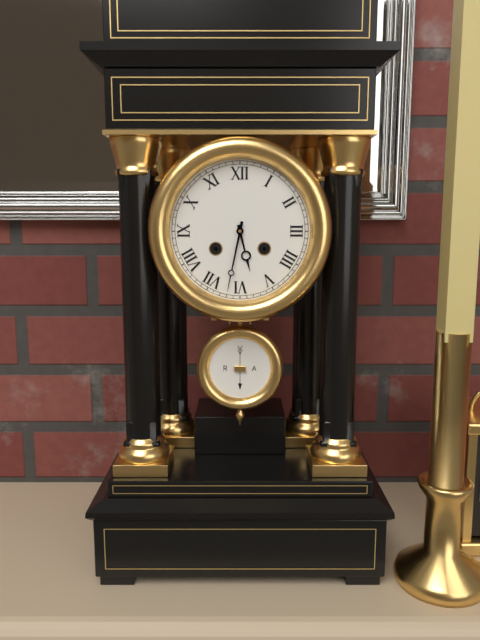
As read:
5,32
